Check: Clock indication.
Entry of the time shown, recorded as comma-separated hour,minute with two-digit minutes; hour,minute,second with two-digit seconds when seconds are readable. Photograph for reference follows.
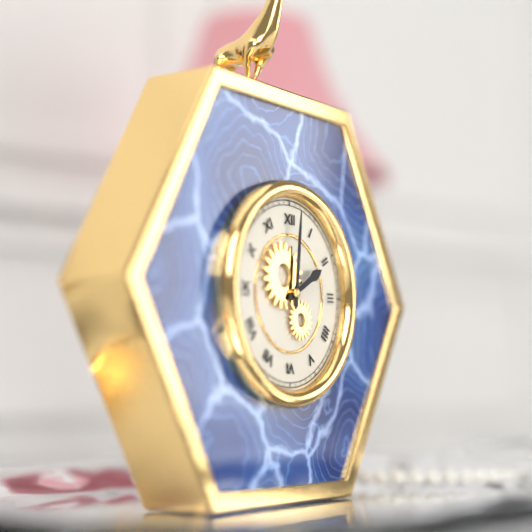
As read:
2,01
